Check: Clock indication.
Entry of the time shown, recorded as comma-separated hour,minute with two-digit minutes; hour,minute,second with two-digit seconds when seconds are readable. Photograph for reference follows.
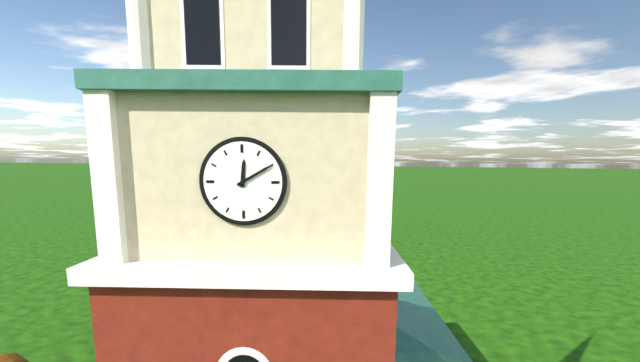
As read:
12,10
